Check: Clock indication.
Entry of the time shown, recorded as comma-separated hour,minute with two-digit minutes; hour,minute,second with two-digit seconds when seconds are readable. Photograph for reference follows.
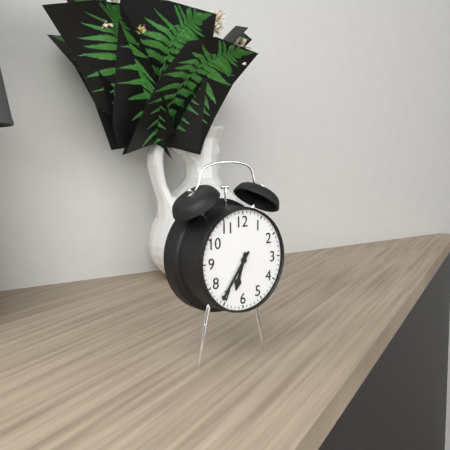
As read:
6,36
